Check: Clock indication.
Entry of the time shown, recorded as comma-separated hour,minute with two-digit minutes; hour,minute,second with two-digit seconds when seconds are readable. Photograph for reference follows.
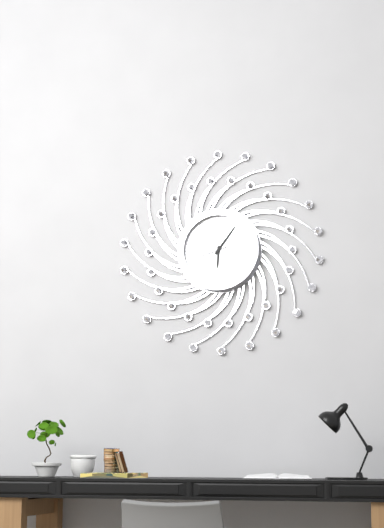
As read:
6,06
